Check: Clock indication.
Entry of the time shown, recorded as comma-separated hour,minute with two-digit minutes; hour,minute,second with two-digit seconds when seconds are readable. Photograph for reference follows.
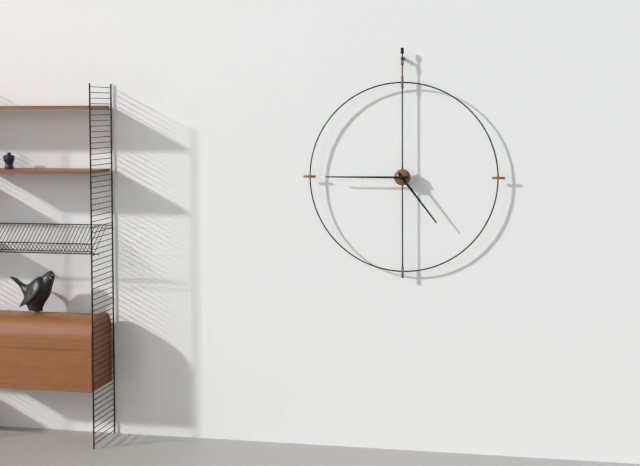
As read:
4,45
